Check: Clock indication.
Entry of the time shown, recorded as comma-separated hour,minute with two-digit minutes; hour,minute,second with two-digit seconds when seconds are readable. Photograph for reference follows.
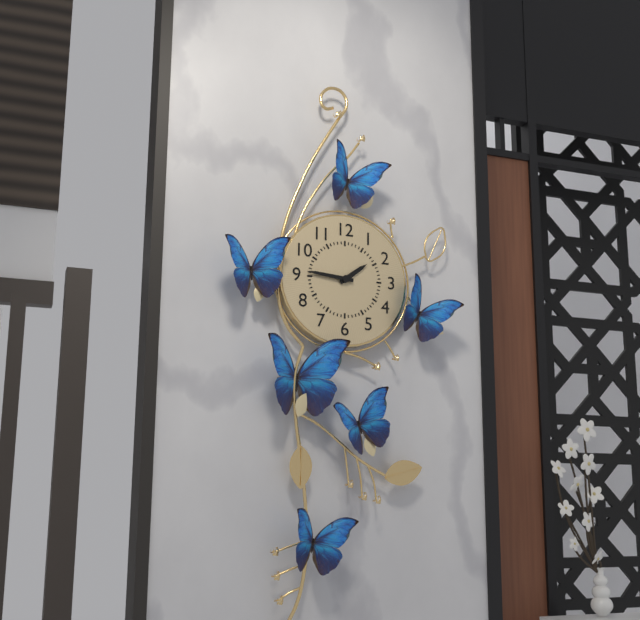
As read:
1,46
